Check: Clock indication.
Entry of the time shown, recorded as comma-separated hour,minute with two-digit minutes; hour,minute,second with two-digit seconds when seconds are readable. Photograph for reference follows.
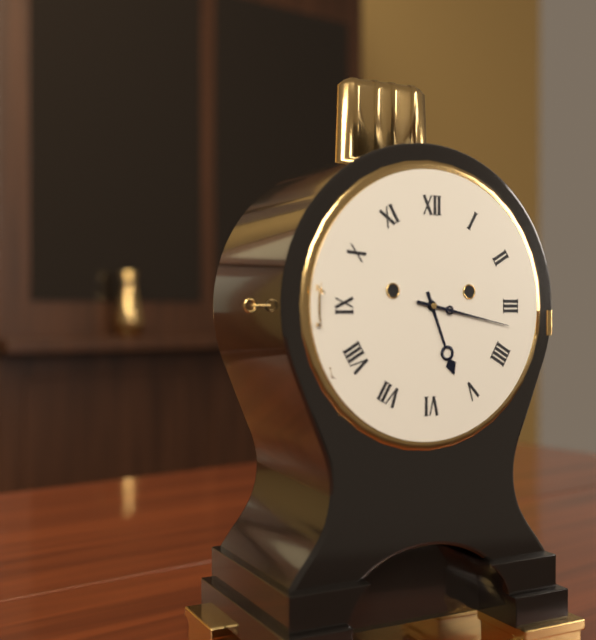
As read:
5,17
